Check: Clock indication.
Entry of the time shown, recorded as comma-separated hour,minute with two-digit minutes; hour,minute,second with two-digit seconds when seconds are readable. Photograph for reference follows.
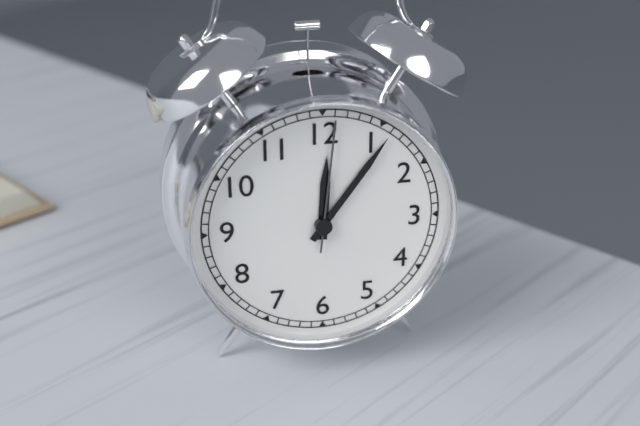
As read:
12,06,01
